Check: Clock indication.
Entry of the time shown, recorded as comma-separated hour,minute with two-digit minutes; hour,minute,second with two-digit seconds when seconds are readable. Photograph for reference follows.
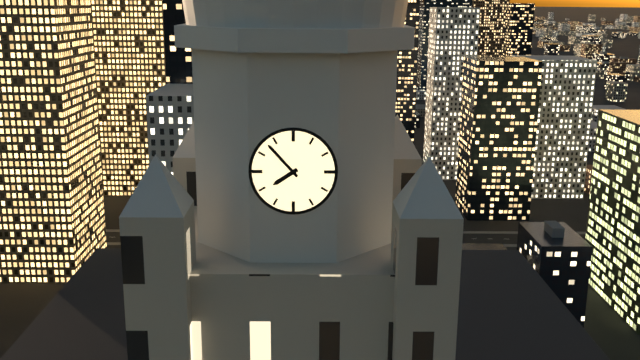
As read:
7,53
